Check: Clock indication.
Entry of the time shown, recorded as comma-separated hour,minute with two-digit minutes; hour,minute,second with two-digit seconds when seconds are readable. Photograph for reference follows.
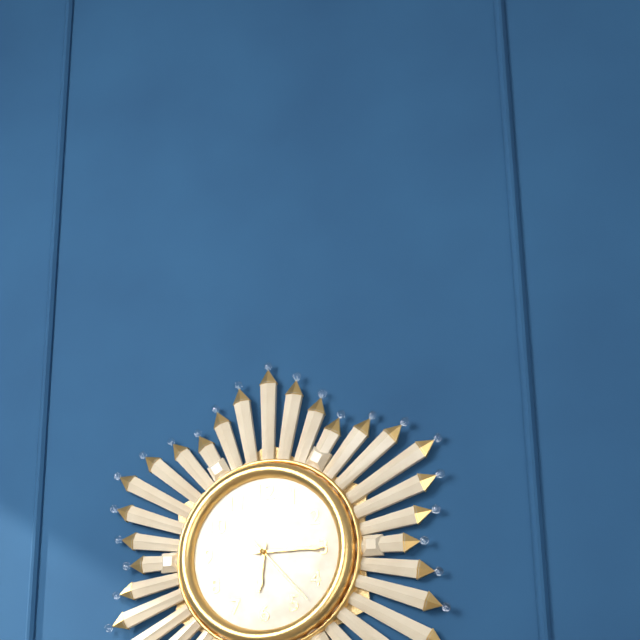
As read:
6,15,23
